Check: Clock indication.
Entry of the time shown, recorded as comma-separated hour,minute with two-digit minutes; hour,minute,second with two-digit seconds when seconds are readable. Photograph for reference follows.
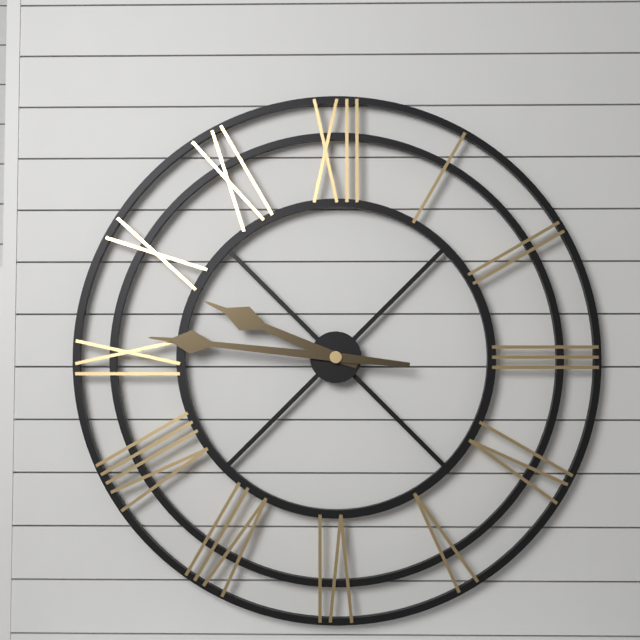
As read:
9,46
